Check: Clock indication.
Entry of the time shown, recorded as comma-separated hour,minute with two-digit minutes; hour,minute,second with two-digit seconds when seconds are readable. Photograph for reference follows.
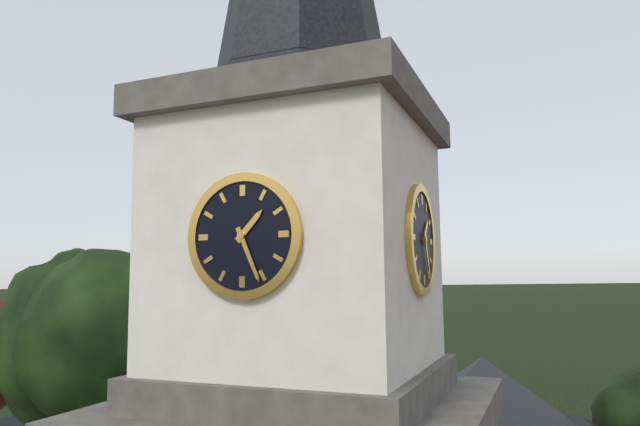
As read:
1,26
